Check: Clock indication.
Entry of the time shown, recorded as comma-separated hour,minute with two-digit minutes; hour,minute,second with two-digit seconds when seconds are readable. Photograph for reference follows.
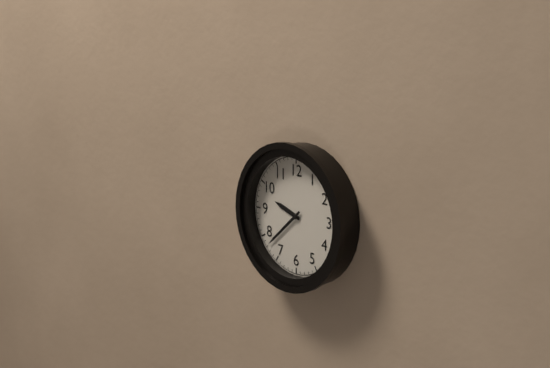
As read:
9,38
